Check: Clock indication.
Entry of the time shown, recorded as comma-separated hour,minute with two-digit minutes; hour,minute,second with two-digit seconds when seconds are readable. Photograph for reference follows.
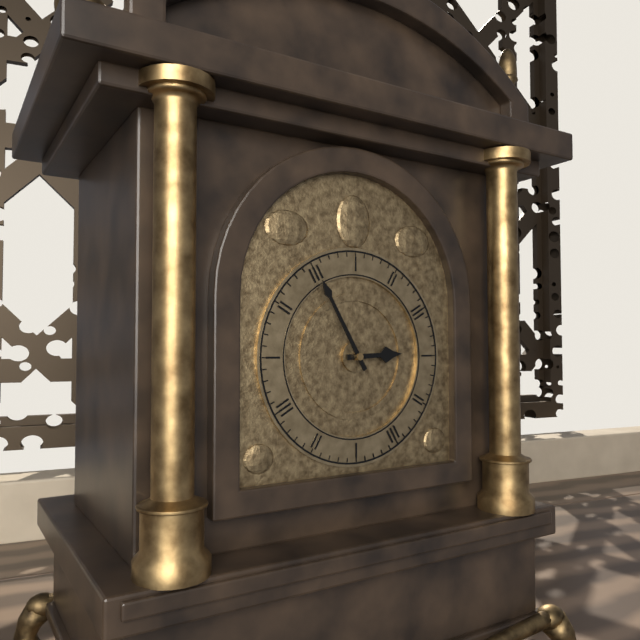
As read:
2,55
